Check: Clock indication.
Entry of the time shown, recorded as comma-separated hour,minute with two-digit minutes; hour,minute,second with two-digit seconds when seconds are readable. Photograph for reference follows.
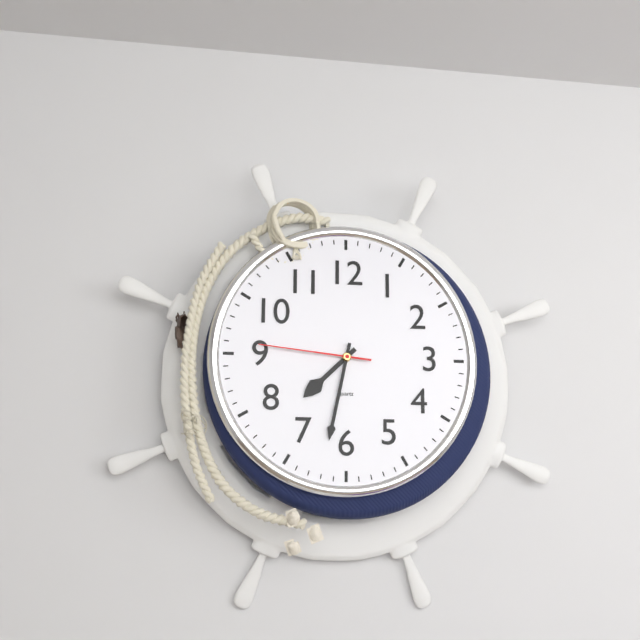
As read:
7,32,46
